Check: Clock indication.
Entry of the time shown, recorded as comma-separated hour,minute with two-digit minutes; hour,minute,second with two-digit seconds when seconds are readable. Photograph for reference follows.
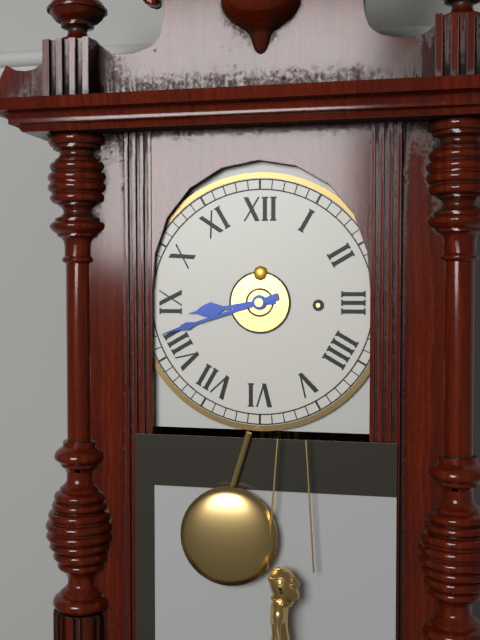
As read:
8,42
